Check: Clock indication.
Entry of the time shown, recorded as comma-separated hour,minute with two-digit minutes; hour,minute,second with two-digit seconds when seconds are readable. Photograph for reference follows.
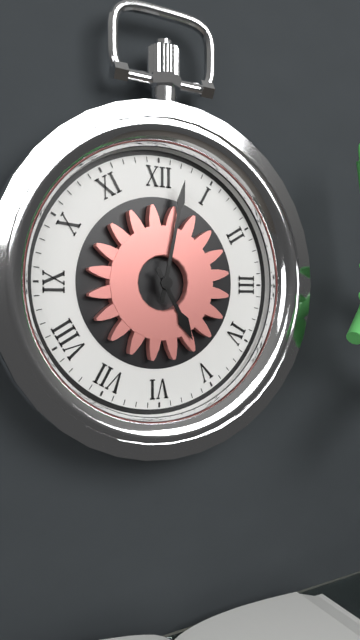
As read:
5,02
